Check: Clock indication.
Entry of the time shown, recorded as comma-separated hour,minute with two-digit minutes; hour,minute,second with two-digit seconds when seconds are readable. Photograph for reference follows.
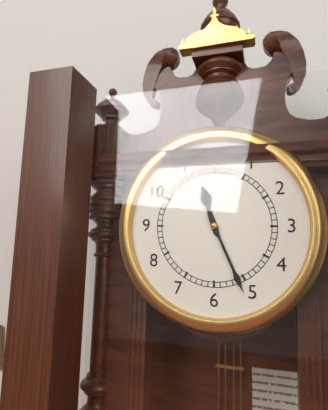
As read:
11,26
